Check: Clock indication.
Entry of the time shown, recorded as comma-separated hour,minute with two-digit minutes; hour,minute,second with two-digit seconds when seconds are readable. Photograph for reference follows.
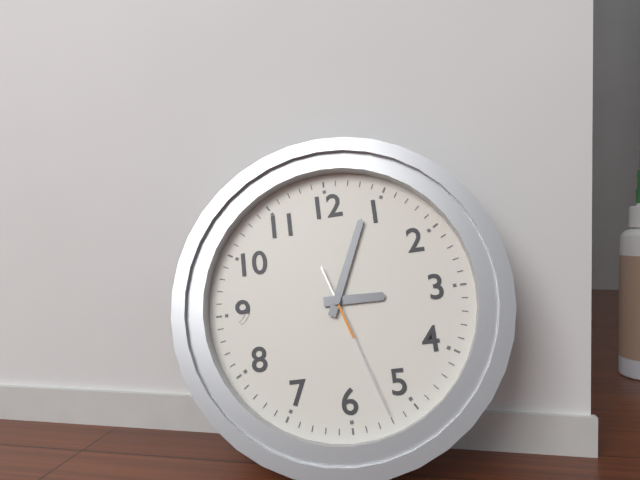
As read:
3,04,27
